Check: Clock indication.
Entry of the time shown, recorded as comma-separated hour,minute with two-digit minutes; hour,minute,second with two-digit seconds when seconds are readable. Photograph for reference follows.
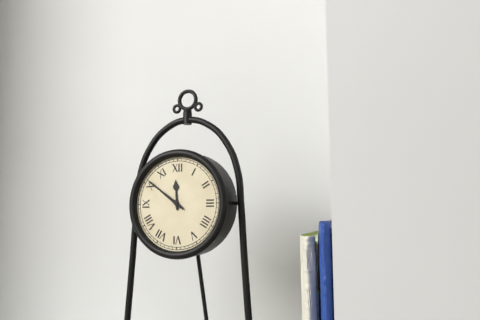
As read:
11,51
